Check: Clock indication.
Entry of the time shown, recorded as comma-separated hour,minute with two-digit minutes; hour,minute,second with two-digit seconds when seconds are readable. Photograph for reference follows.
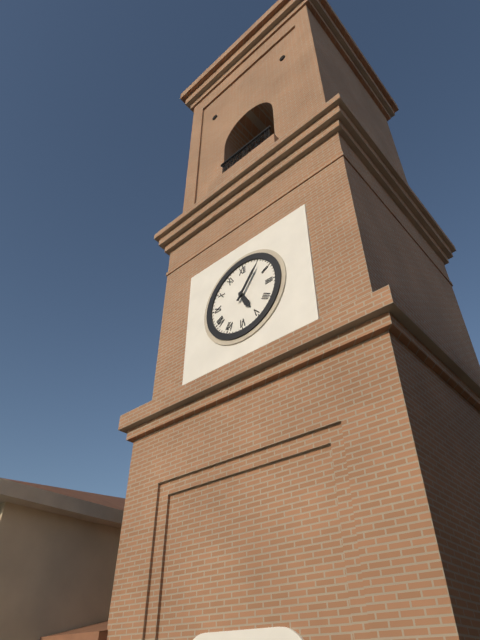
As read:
5,06
